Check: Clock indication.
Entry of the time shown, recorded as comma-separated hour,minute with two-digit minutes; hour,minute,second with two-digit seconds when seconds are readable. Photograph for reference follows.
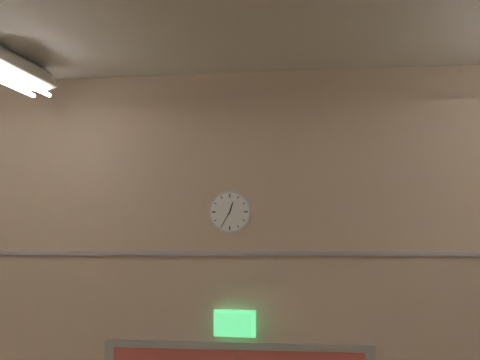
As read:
12,35
